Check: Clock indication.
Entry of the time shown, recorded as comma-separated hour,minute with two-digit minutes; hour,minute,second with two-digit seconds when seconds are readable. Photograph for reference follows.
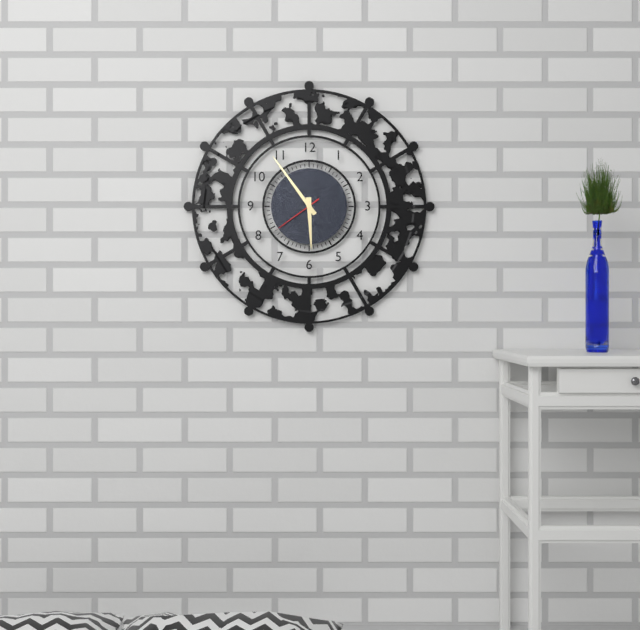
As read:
5,54,39
